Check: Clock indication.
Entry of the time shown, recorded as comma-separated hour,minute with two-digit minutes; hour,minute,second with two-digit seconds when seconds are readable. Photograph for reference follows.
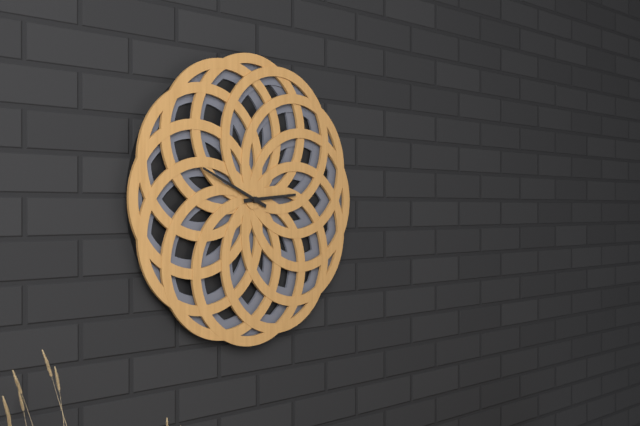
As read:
2,49
